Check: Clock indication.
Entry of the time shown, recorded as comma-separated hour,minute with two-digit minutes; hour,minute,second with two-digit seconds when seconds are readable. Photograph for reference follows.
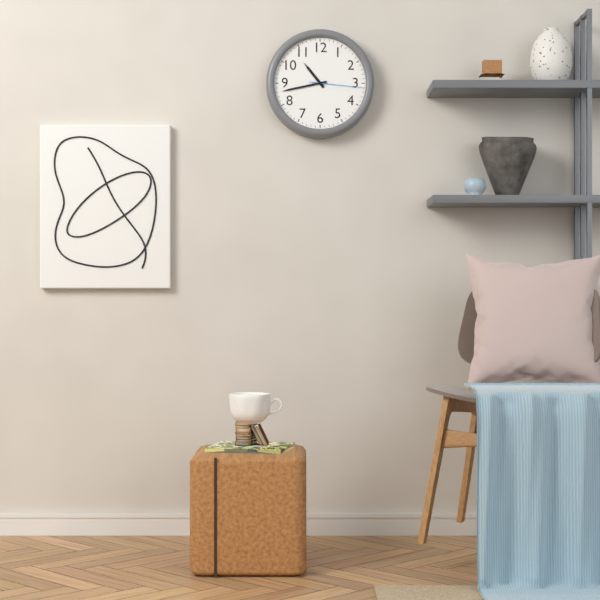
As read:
10,43,16
